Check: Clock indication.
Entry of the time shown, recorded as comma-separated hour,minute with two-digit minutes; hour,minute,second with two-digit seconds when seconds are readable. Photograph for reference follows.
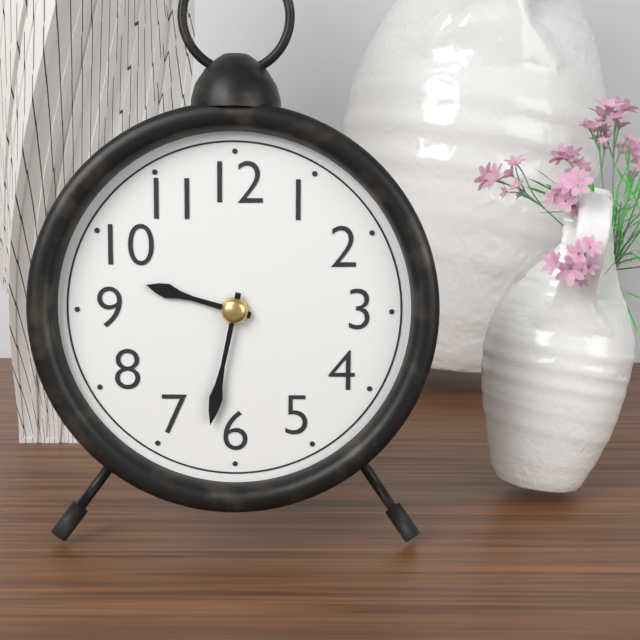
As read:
9,32
